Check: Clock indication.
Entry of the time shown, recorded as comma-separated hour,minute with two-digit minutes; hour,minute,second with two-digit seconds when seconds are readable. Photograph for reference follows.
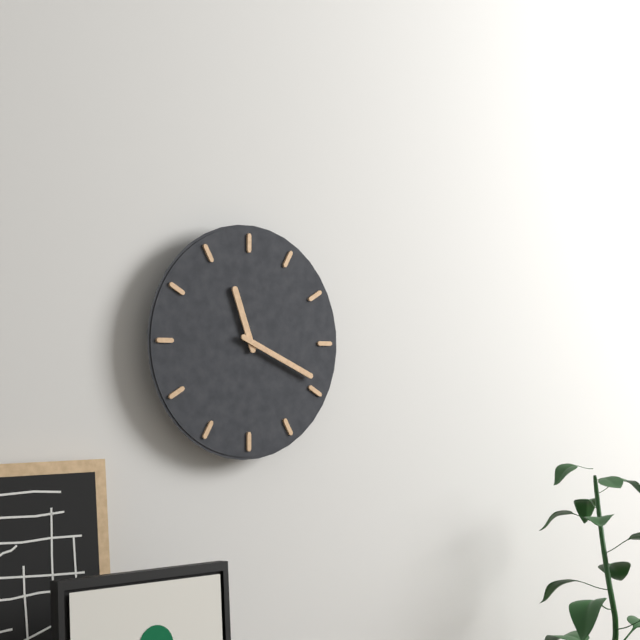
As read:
11,19
